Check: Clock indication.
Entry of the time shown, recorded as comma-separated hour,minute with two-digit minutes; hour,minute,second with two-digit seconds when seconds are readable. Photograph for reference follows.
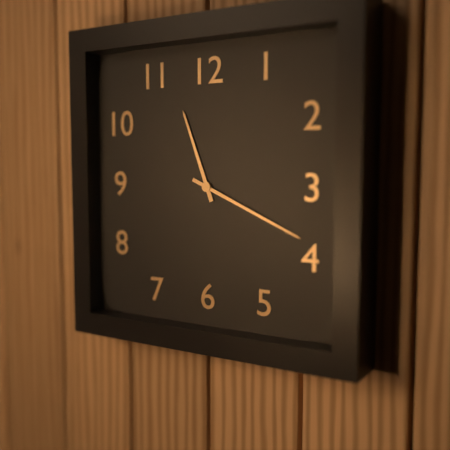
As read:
11,19
